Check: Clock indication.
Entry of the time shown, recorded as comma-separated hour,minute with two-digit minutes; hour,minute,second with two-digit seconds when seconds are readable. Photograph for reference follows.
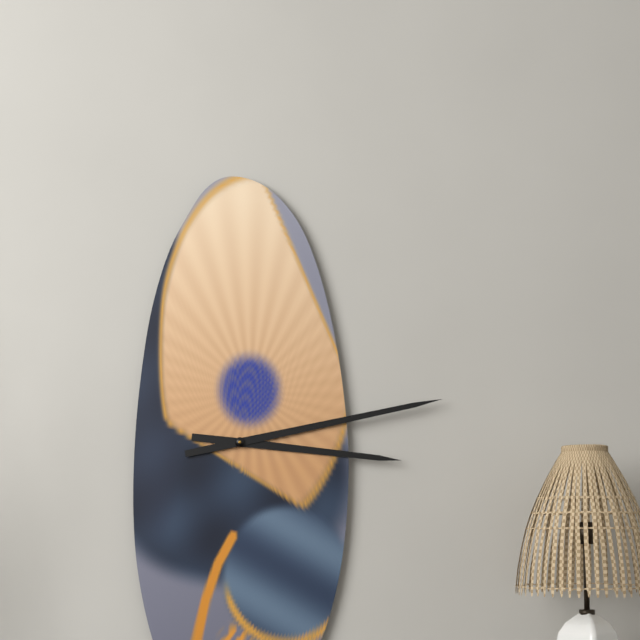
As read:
3,13
